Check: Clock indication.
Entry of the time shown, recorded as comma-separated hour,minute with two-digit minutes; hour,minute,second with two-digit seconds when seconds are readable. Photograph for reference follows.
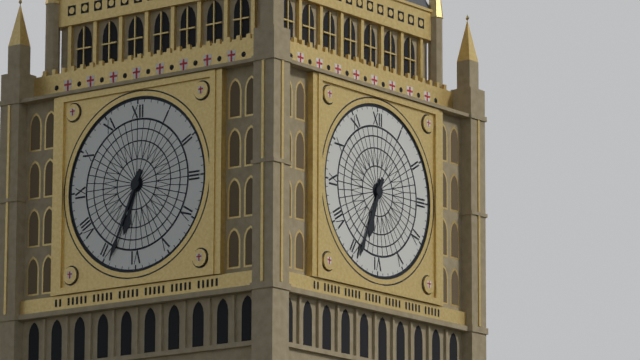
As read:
6,34
